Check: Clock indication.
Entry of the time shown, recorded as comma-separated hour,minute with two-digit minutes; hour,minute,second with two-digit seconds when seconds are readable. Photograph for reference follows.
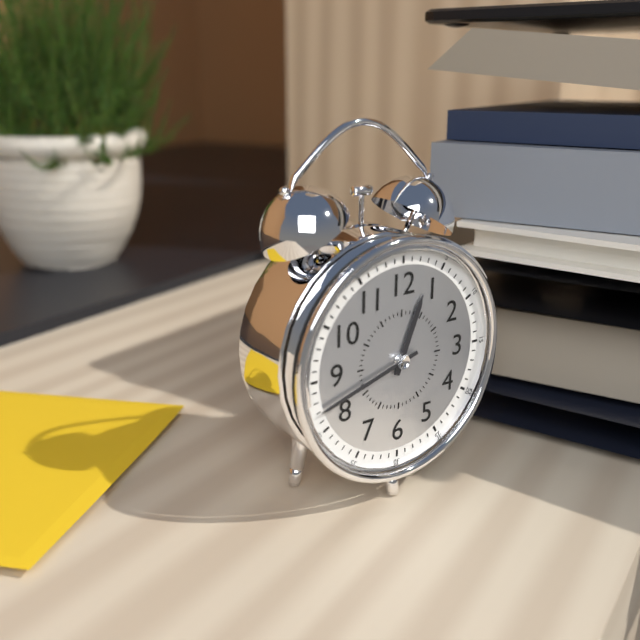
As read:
12,42
